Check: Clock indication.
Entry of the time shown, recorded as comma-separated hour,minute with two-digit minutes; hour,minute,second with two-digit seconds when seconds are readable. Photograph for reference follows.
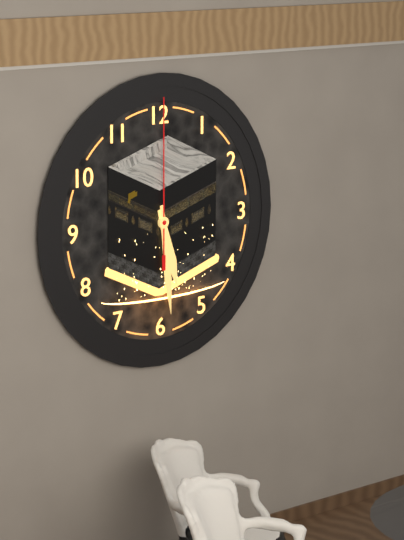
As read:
5,29,00
